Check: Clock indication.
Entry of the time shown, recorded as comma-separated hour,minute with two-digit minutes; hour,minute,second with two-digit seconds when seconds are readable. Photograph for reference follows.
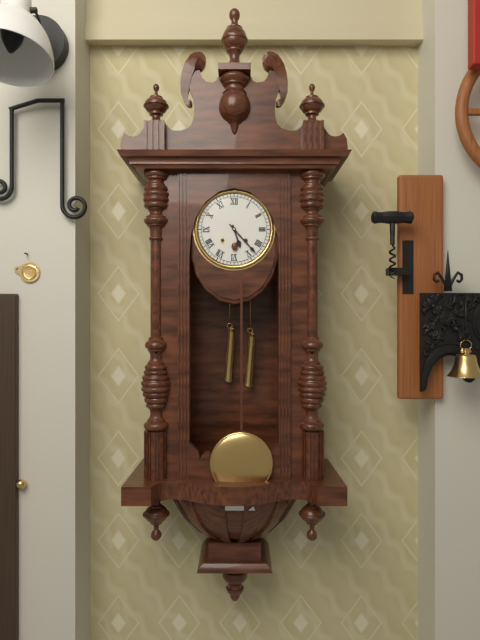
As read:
5,23
